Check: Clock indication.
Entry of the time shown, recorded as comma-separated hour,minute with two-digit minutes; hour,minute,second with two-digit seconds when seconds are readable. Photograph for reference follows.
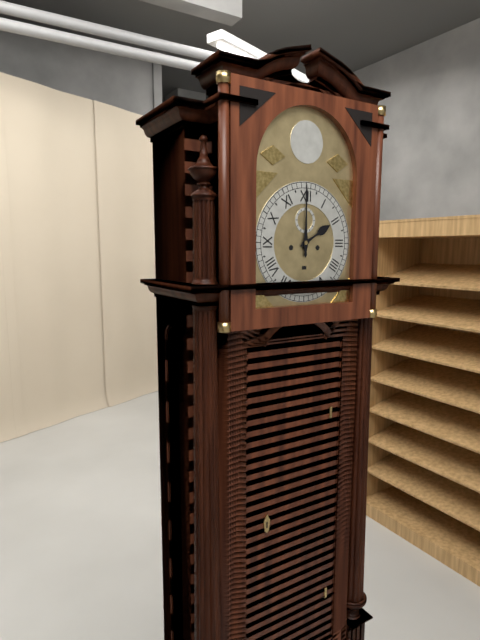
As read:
2,00
